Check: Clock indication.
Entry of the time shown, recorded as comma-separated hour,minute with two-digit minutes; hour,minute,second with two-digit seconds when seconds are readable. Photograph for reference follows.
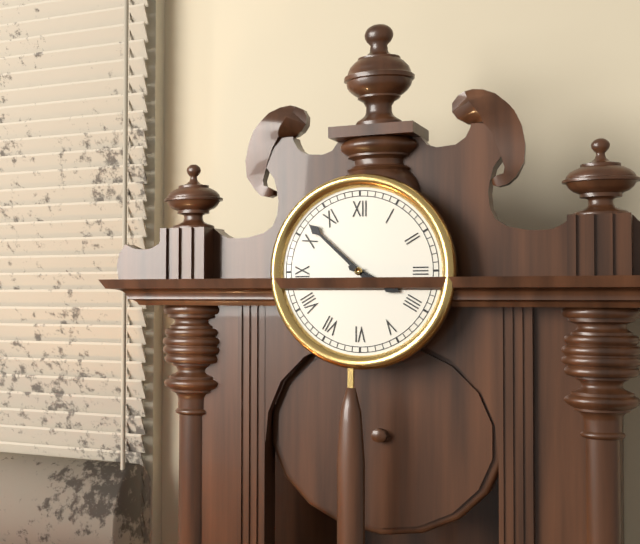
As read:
3,52
